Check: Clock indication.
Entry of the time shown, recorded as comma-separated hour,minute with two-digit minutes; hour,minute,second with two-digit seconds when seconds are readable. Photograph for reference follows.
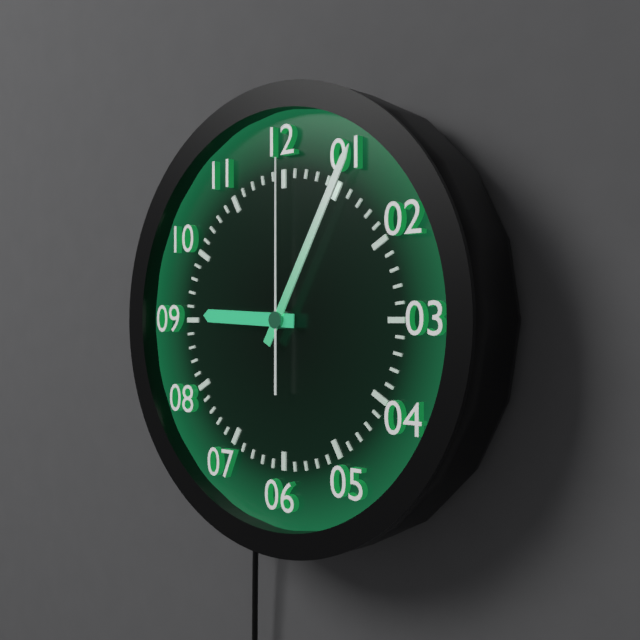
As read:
9,05,00
